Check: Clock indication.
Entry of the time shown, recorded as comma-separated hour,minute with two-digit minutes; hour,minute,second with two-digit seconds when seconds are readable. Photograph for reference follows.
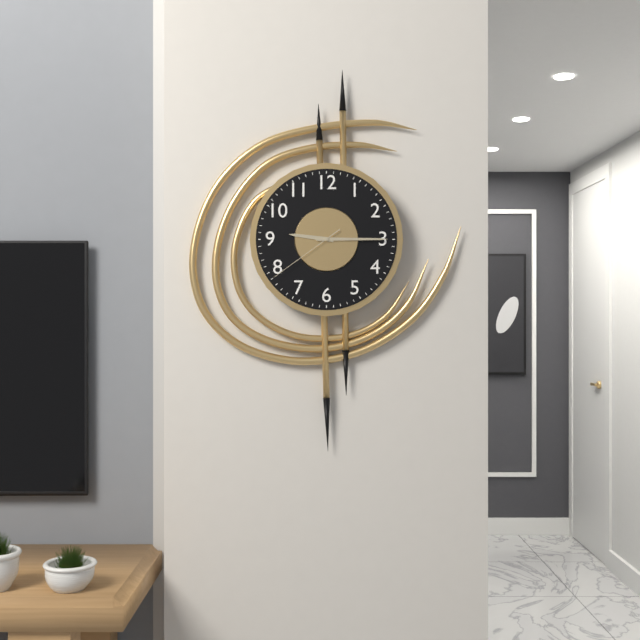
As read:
9,15,39
